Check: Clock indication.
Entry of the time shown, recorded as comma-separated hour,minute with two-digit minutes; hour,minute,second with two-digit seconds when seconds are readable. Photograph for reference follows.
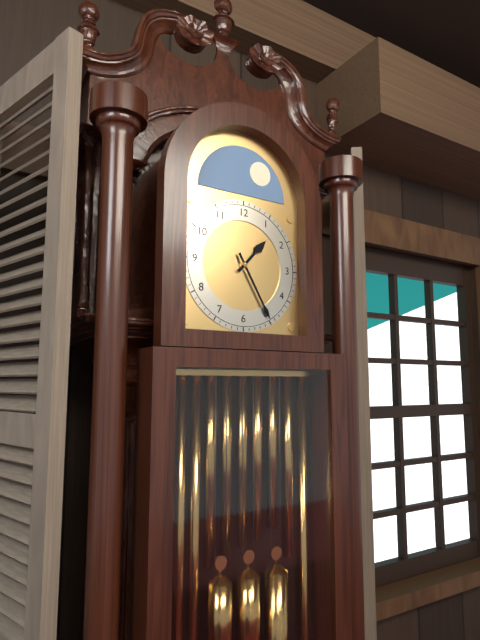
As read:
1,25
